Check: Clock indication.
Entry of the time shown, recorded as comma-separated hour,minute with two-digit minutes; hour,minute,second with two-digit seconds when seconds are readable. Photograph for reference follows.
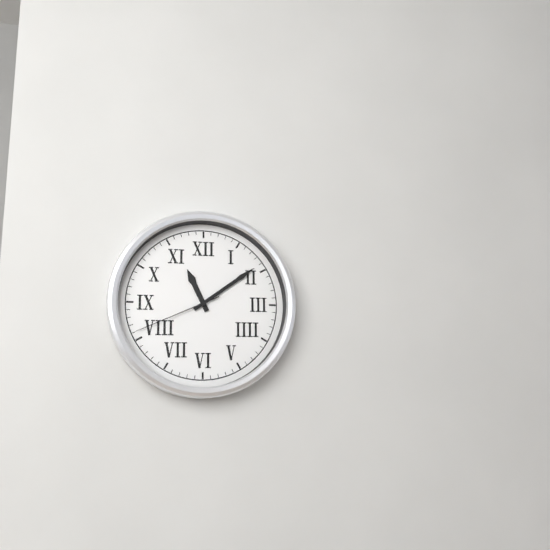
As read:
11,09,41
